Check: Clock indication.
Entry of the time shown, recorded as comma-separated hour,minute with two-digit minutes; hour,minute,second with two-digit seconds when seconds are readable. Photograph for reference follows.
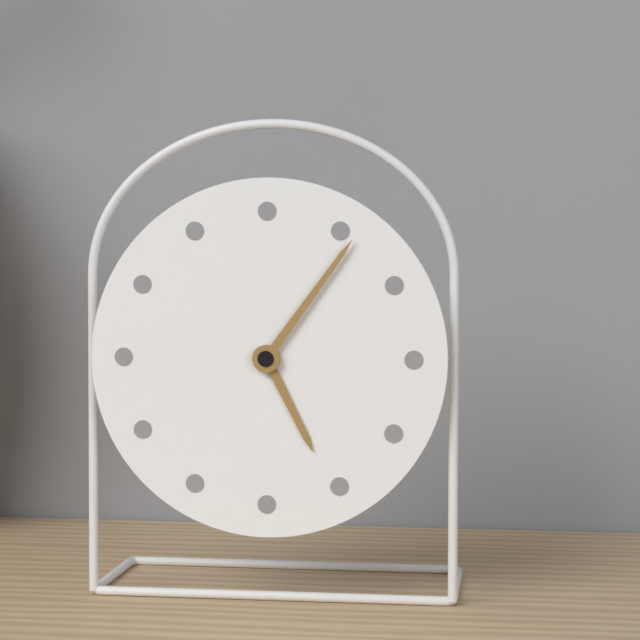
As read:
5,06
